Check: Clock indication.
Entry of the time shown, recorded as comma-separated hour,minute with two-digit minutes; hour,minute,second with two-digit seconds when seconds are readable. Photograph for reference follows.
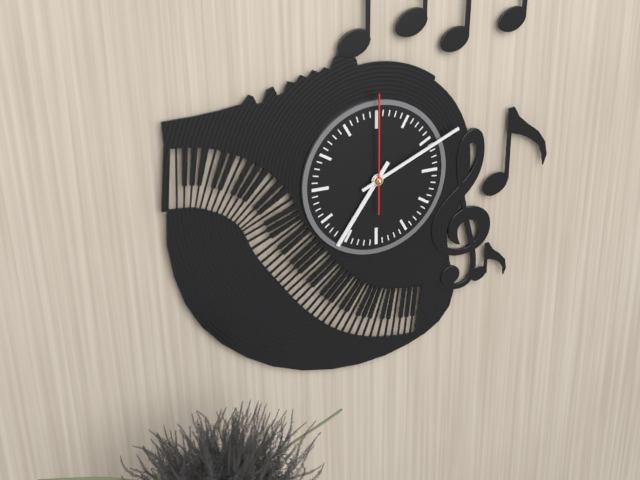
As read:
7,11,00
